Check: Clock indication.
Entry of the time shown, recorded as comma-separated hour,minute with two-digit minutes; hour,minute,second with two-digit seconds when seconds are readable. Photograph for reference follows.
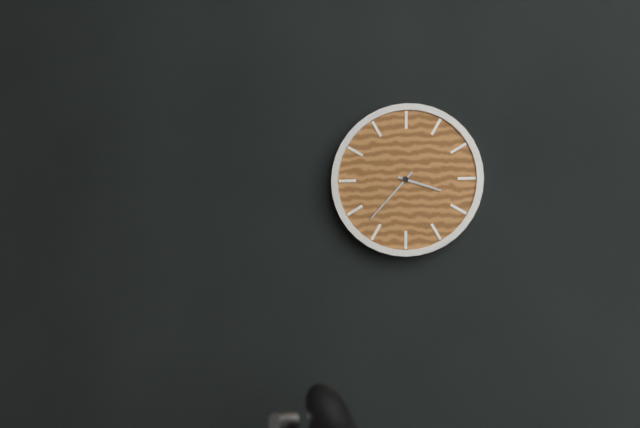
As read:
3,37
